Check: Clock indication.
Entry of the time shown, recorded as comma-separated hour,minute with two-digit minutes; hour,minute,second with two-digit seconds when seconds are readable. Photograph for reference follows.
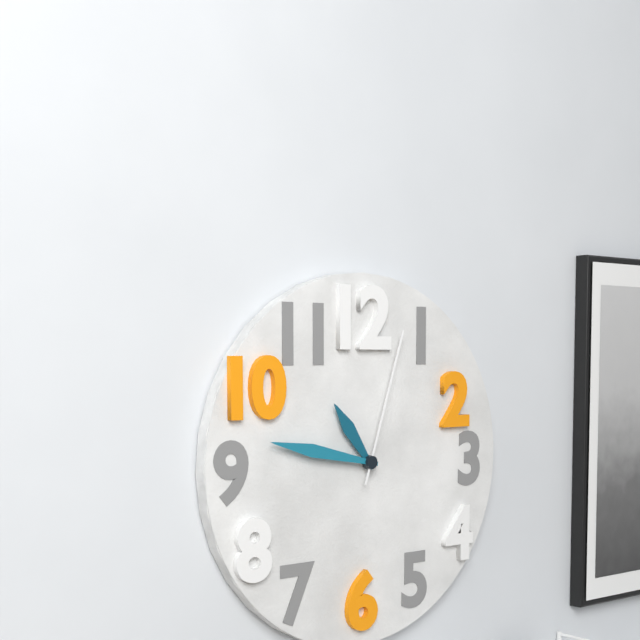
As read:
10,47,03
